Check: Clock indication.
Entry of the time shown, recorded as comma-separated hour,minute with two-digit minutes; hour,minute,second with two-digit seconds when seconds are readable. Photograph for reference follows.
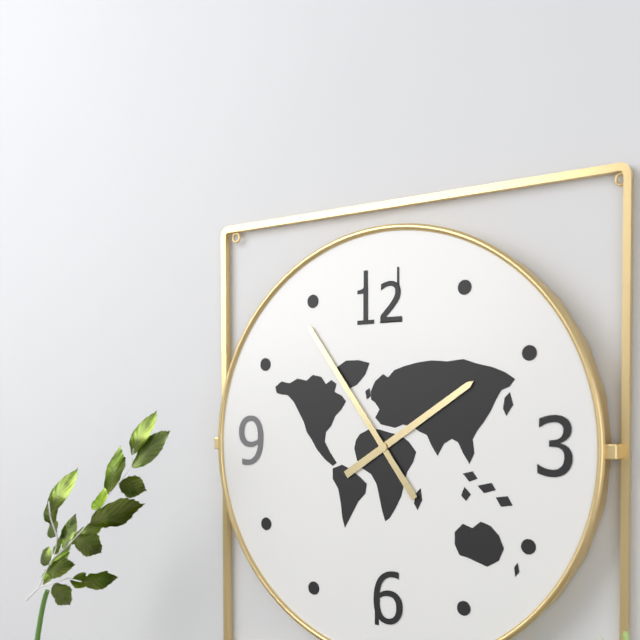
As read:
1,54
